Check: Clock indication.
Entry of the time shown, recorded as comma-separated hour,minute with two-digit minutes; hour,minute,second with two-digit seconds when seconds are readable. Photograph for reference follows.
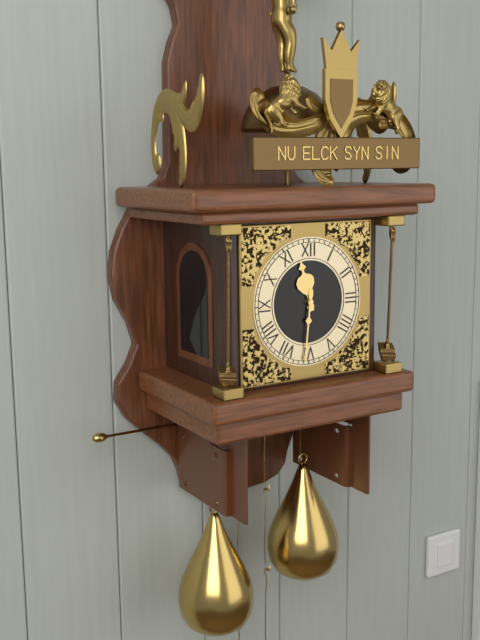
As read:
11,31
